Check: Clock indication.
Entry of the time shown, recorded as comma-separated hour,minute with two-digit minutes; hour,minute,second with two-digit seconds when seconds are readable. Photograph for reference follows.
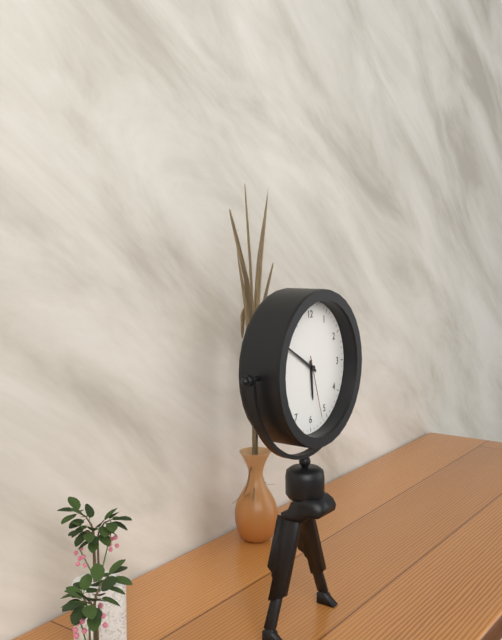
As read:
5,50,27
